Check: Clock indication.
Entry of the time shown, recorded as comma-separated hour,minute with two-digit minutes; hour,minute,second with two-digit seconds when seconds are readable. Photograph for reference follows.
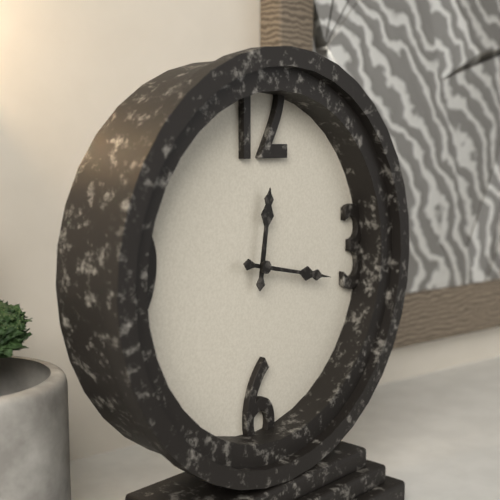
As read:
12,17
